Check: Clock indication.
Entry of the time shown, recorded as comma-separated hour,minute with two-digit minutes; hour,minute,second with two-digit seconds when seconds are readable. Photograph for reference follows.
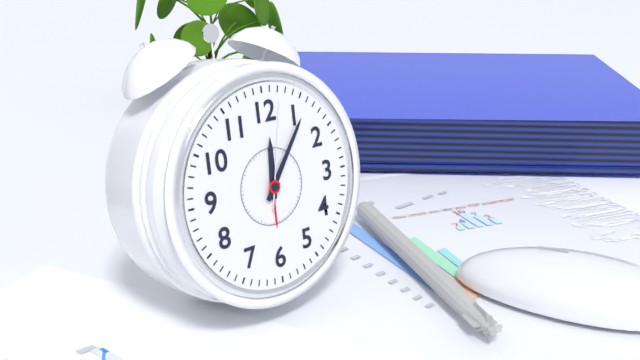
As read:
12,06,02
